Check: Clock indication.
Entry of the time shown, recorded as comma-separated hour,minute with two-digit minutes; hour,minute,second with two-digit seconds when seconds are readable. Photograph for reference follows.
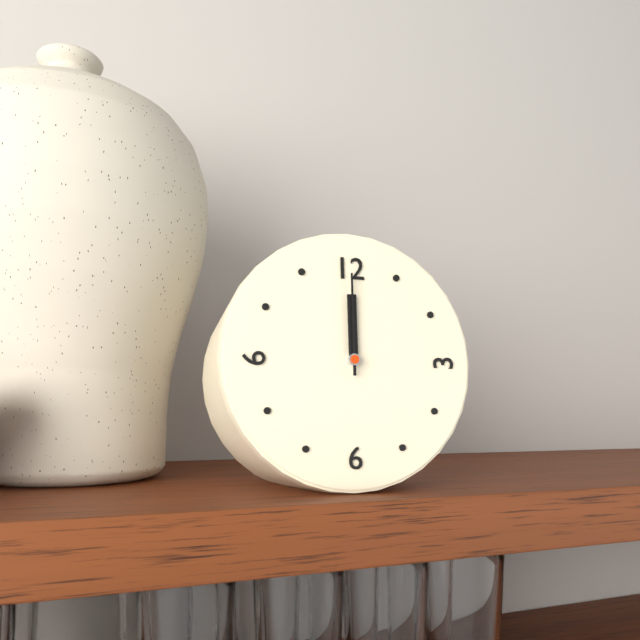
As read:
12,00
